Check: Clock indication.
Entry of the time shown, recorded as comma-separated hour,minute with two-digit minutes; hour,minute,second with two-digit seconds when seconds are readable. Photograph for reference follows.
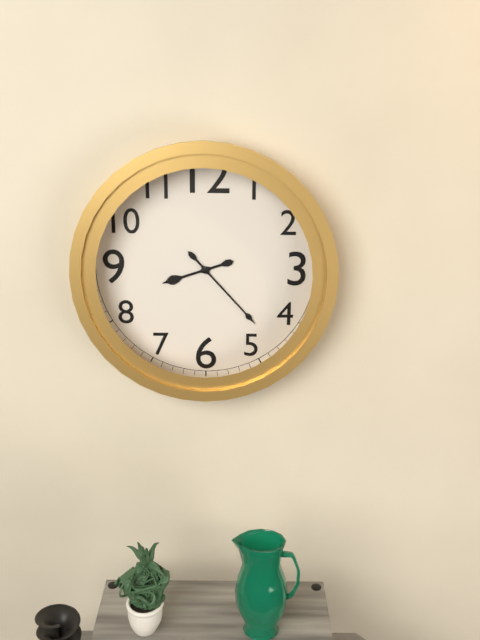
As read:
8,23
